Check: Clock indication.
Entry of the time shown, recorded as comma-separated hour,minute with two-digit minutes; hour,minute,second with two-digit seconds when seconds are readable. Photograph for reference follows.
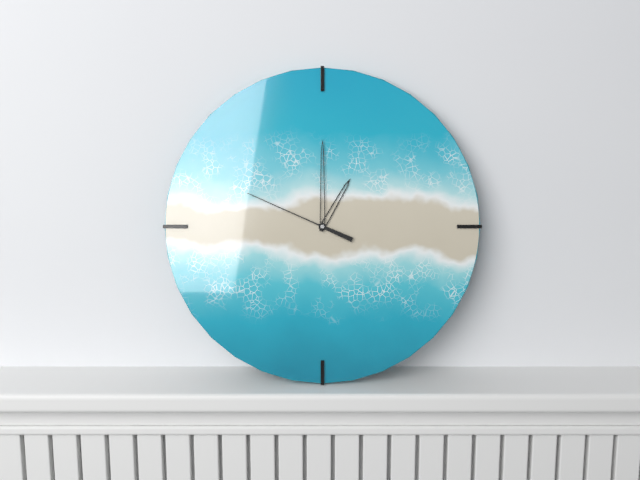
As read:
1,00,49
